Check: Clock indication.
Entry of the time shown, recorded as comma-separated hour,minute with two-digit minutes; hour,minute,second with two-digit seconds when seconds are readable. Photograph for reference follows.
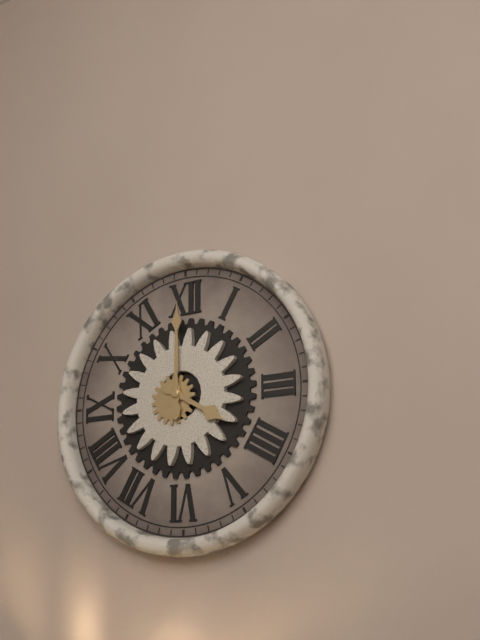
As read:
4,00
